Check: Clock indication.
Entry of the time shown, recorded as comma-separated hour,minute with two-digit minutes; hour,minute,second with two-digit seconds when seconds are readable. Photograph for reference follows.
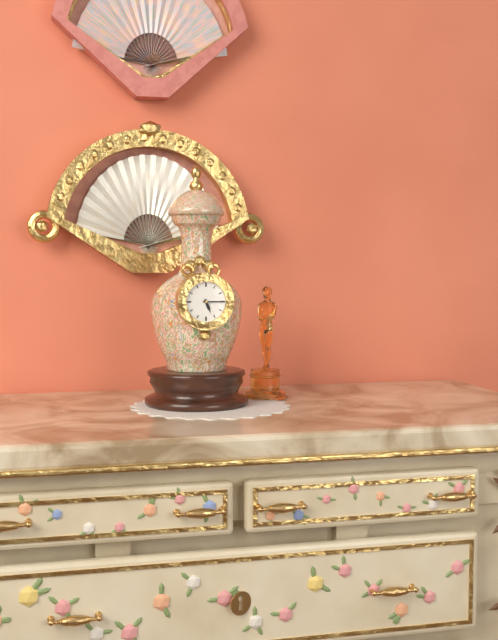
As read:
5,15
